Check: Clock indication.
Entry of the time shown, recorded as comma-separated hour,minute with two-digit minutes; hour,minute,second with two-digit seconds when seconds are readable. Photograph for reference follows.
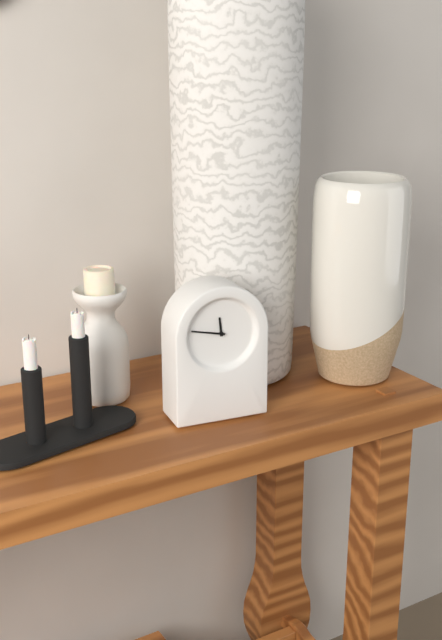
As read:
11,47
